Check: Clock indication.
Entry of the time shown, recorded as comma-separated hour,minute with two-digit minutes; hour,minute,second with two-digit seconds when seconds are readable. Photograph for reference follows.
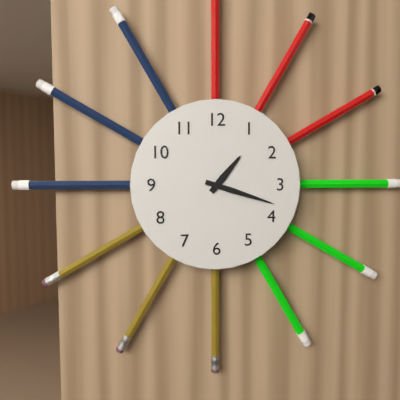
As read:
1,18
